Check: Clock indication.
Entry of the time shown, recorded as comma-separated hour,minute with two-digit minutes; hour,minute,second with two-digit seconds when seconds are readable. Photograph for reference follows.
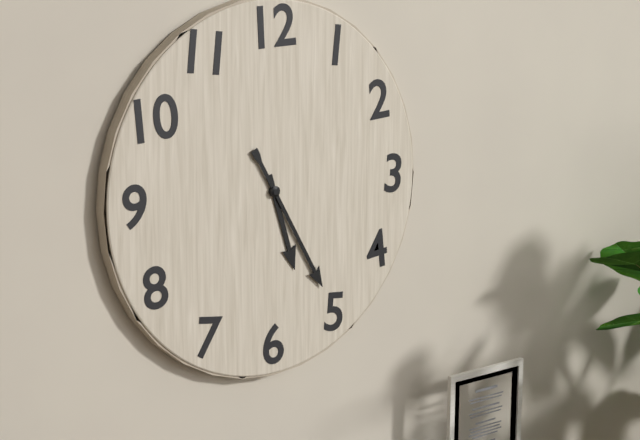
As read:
5,25
